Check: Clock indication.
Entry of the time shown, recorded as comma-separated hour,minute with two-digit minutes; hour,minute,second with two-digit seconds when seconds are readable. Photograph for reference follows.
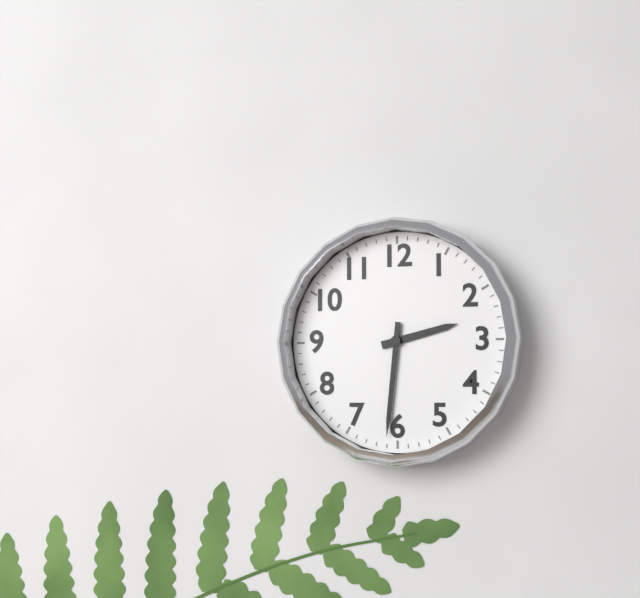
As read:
2,31
